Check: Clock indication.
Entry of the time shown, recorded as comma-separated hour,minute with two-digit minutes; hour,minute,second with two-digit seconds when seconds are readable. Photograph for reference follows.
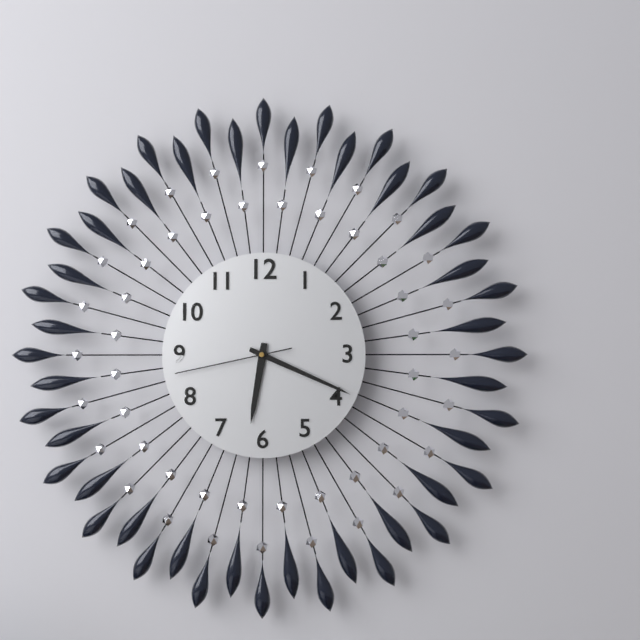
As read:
6,19,43
